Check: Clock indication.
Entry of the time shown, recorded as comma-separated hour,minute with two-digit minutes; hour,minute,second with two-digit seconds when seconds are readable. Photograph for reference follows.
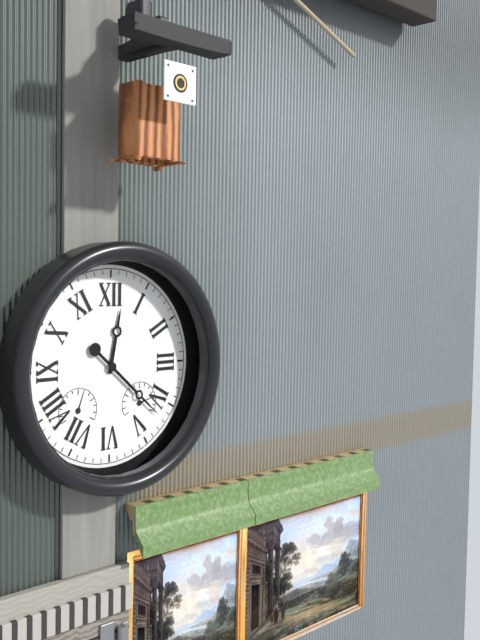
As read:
12,22
